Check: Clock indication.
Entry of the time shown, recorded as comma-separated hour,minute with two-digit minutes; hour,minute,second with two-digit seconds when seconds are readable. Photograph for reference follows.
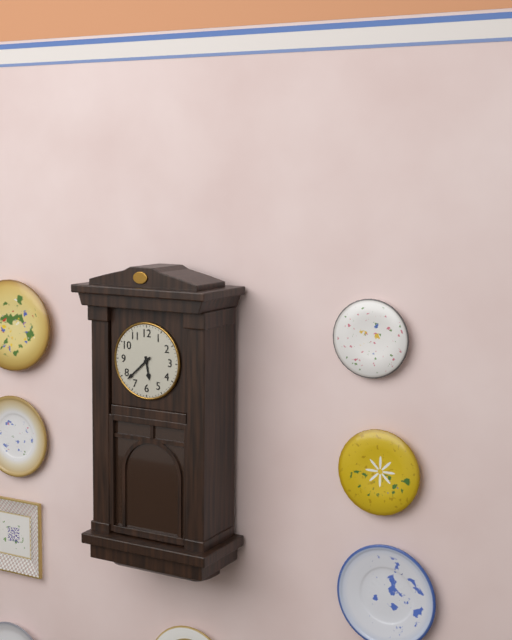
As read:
5,38
